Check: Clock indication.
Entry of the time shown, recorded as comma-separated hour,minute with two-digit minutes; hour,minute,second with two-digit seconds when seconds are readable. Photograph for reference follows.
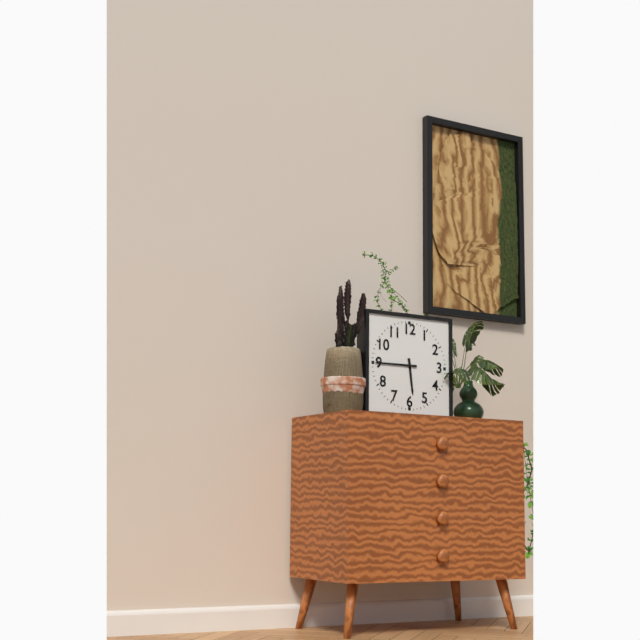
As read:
5,45
